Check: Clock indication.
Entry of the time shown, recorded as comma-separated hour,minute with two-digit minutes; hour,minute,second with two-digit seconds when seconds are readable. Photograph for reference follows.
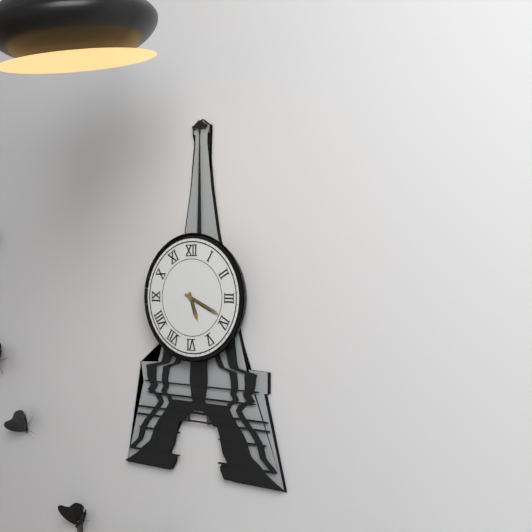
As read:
5,19
